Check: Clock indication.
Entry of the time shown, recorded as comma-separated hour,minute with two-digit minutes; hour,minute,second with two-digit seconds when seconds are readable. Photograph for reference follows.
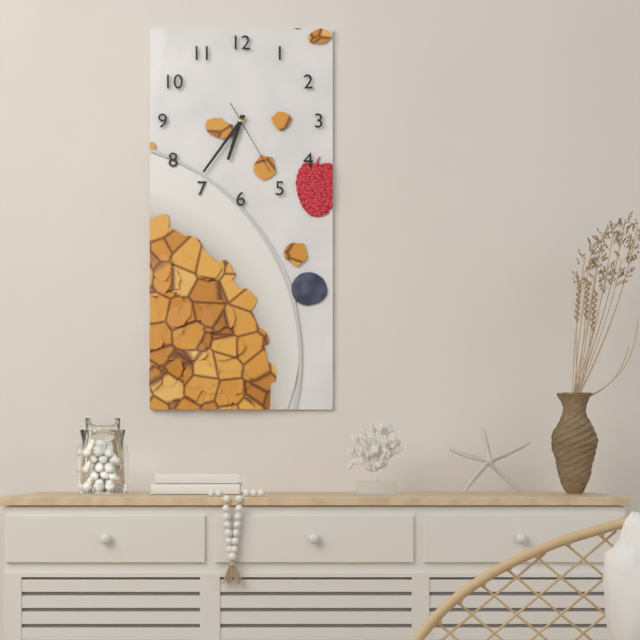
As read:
6,36,25
